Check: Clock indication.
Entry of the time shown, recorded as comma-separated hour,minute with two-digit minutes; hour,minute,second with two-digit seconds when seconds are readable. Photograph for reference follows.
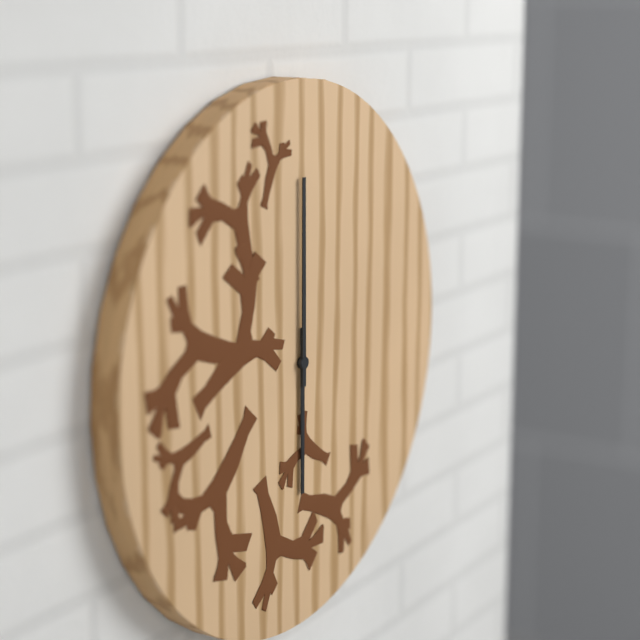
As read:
6,00
